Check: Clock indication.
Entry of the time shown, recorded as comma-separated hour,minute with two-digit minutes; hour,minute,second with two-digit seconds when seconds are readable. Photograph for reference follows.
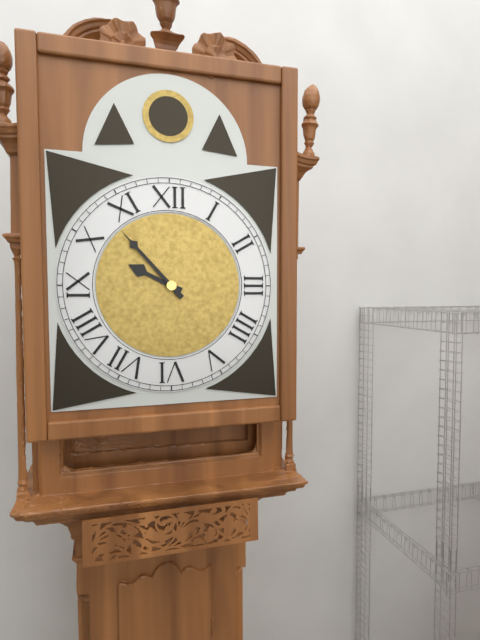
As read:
9,53
